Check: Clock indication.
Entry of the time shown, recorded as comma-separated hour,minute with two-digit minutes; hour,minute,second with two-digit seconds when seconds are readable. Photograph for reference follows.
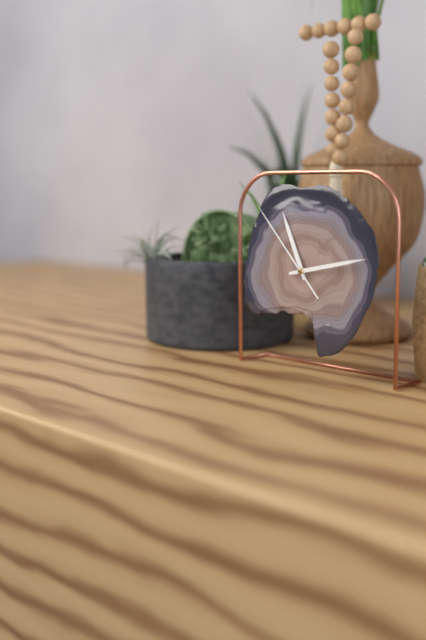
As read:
11,13,53
